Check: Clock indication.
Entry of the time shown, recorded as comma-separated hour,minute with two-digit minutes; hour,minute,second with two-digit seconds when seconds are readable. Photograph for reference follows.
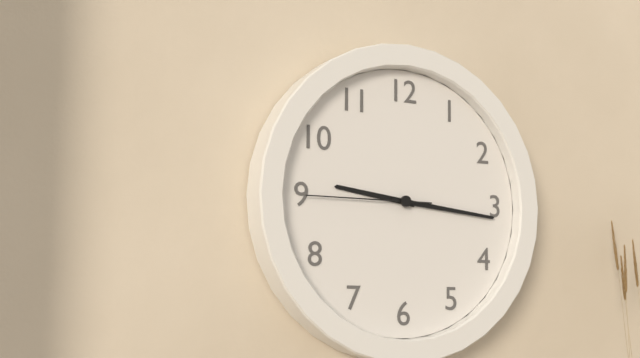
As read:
9,16,45
